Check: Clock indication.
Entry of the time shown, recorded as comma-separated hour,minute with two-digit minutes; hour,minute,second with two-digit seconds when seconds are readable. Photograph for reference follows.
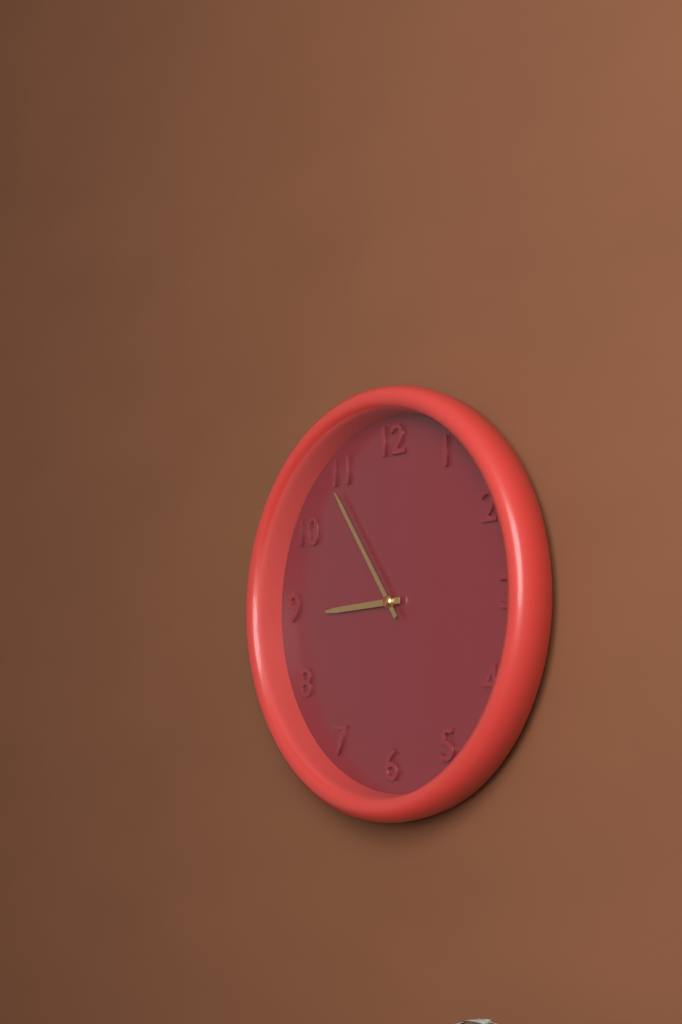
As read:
8,54
